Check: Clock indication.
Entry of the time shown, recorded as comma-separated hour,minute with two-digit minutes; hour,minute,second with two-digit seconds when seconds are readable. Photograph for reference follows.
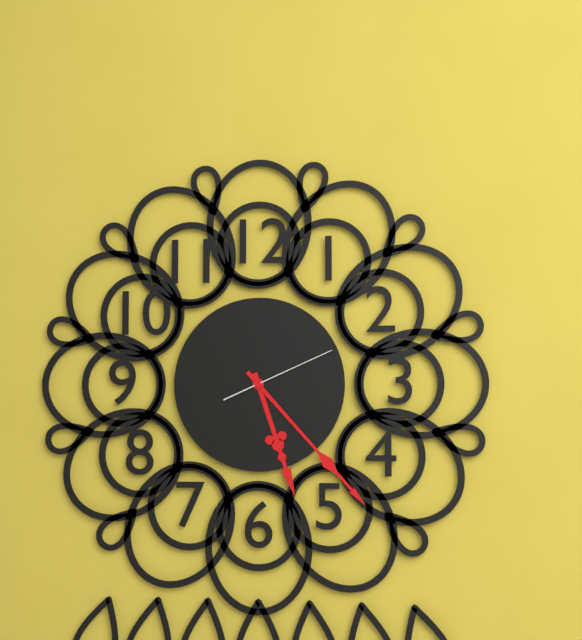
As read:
5,23,11
